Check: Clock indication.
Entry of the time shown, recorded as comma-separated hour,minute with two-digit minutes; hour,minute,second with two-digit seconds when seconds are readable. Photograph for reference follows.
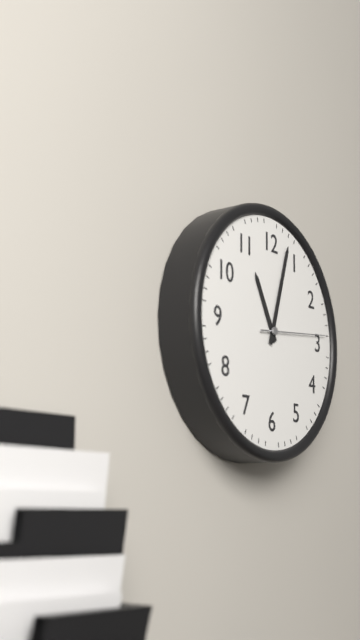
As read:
11,03,14
